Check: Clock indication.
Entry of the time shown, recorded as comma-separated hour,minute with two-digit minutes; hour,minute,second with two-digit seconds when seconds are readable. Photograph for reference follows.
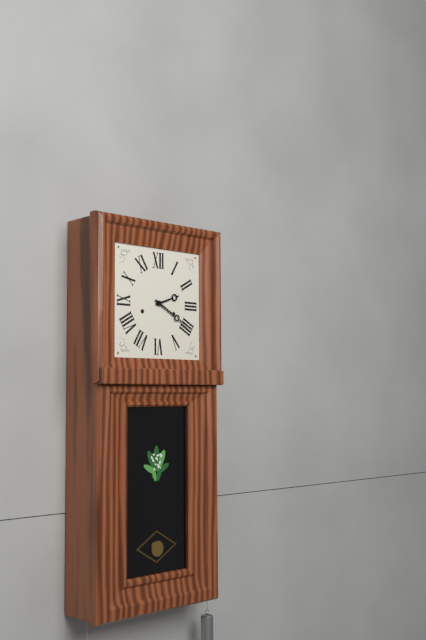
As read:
2,20
